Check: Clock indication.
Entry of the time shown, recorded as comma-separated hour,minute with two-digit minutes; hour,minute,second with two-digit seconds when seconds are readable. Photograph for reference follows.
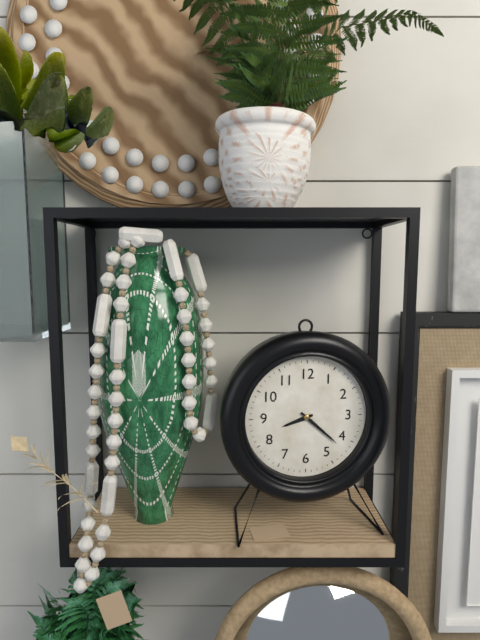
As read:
8,22
